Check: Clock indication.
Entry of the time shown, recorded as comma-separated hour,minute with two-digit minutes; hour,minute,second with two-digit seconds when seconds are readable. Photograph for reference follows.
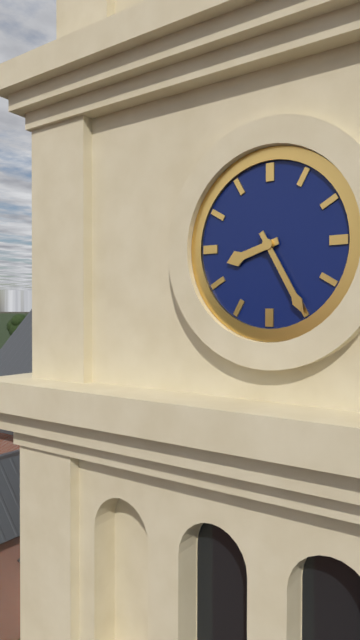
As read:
8,25
